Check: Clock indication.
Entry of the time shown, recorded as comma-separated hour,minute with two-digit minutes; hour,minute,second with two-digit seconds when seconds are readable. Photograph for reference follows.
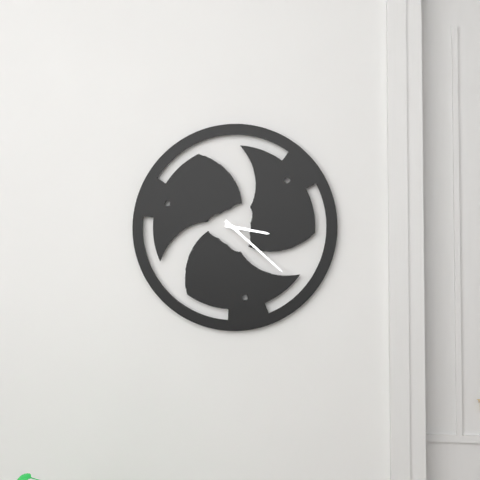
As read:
3,22
